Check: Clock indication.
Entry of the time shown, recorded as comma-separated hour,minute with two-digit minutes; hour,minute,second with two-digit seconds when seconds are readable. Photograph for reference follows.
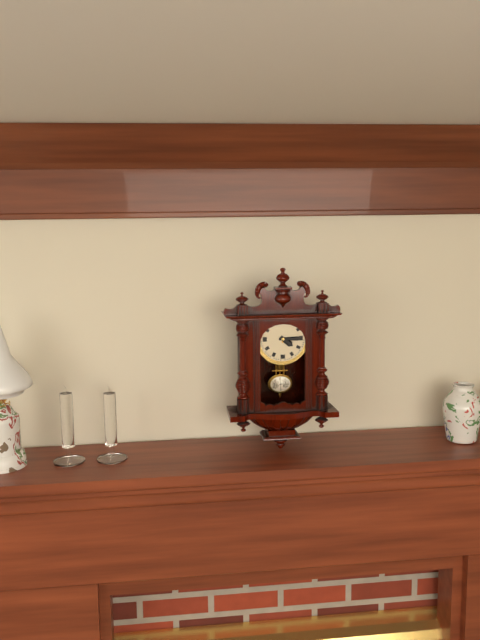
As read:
4,15
